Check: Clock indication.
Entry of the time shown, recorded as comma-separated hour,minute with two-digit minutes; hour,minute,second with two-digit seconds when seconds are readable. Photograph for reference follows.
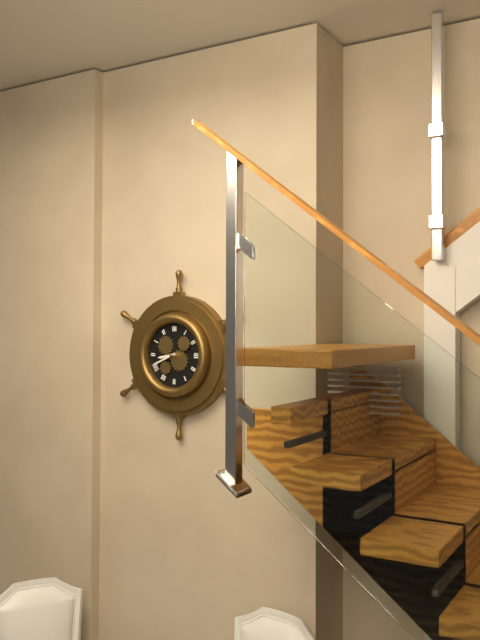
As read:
8,41
